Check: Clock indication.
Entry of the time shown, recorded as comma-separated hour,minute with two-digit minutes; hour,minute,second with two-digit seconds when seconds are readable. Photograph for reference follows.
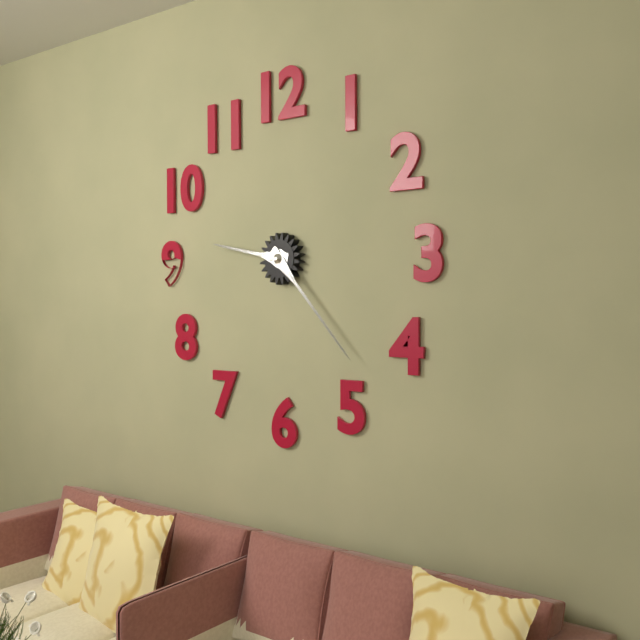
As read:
9,23
